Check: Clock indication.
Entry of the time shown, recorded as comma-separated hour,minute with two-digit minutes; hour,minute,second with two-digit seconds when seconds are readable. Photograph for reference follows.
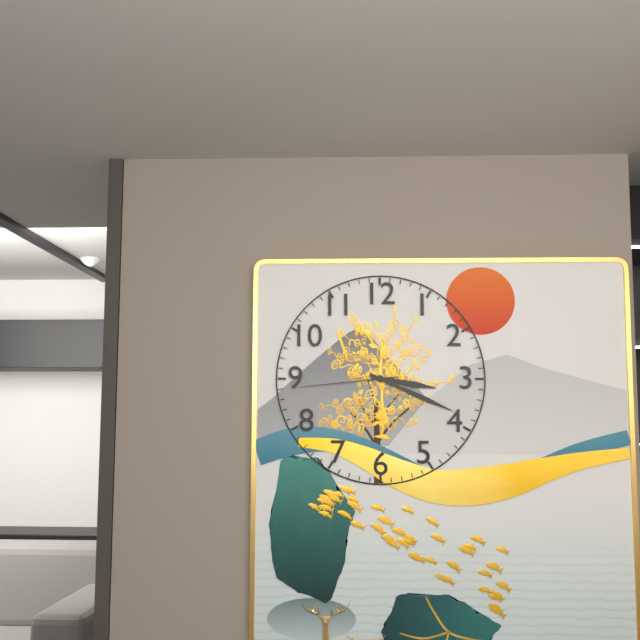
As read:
3,19,44
